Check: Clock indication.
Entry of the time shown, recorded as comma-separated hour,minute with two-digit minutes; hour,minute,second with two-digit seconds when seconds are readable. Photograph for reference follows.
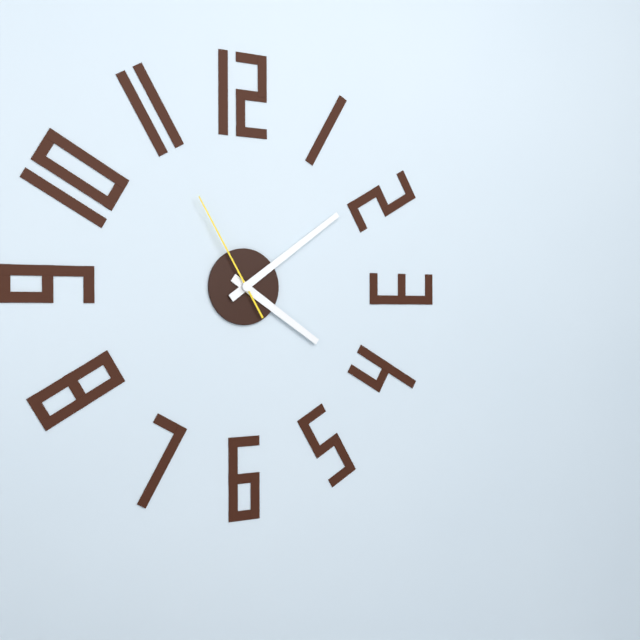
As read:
4,09,55
